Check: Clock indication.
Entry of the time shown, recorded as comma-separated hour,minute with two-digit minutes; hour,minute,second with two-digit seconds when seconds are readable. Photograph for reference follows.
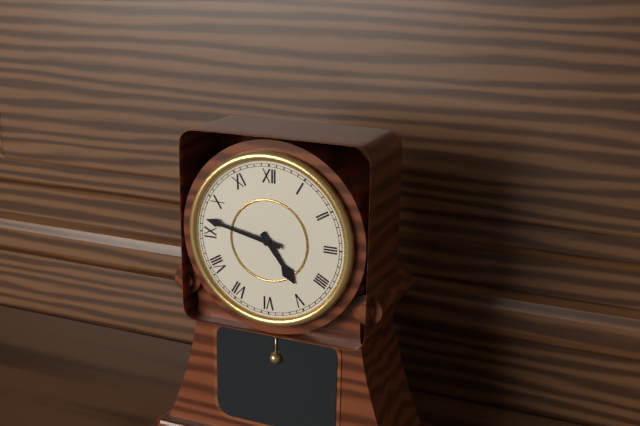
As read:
4,47
